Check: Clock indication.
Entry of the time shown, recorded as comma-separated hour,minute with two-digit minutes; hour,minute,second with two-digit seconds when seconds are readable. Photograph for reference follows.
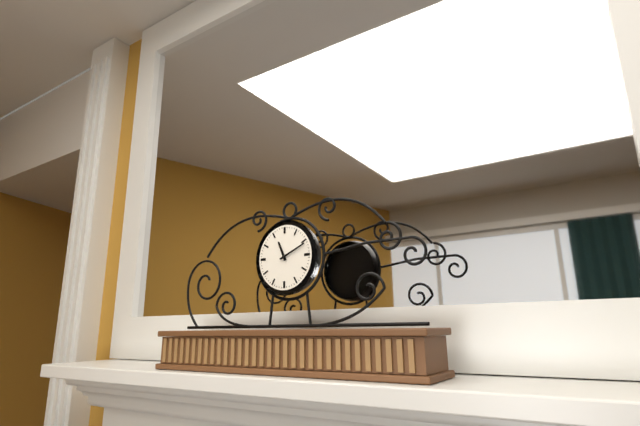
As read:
11,11
